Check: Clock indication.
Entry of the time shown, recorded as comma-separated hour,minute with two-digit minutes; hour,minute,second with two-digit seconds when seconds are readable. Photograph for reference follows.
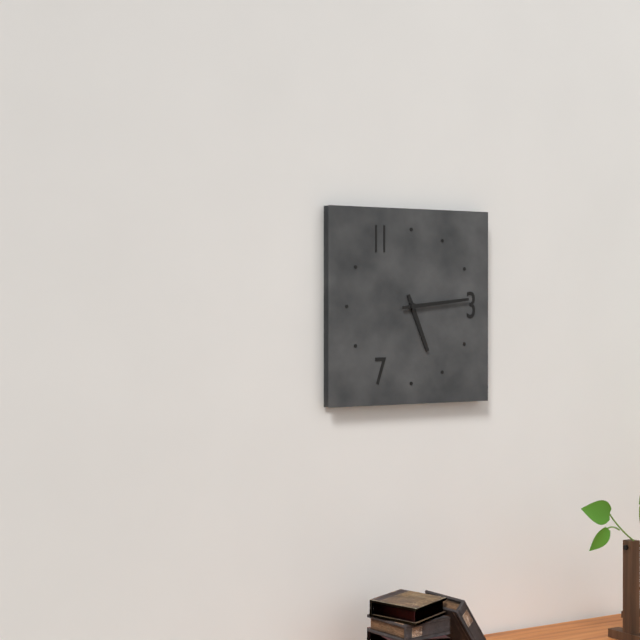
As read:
5,14
